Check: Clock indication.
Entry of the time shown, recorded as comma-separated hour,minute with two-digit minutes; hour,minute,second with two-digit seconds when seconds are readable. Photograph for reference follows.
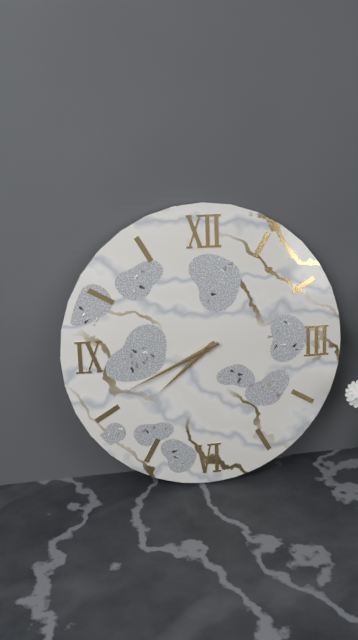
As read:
7,41
